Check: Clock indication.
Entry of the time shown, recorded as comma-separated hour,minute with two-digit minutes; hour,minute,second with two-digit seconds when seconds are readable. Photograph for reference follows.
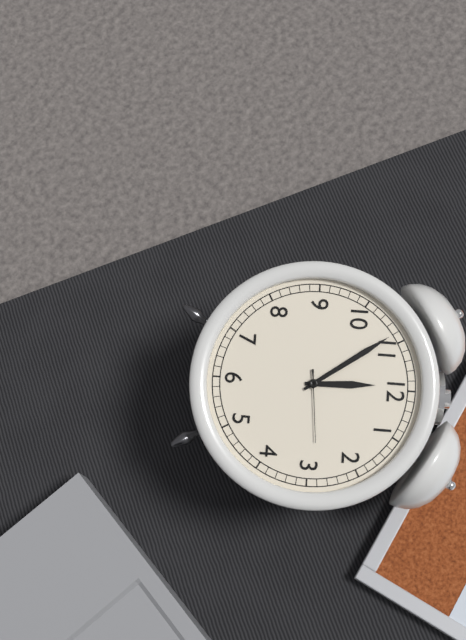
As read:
11,54,14
